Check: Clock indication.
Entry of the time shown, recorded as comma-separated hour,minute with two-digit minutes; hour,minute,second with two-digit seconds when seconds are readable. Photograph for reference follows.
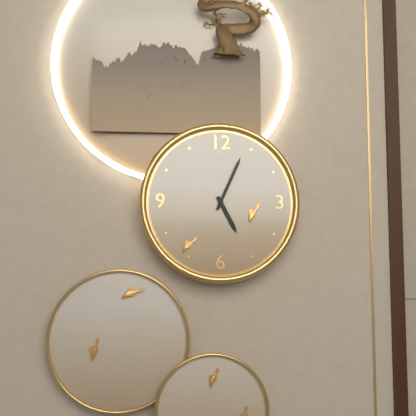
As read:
5,04
